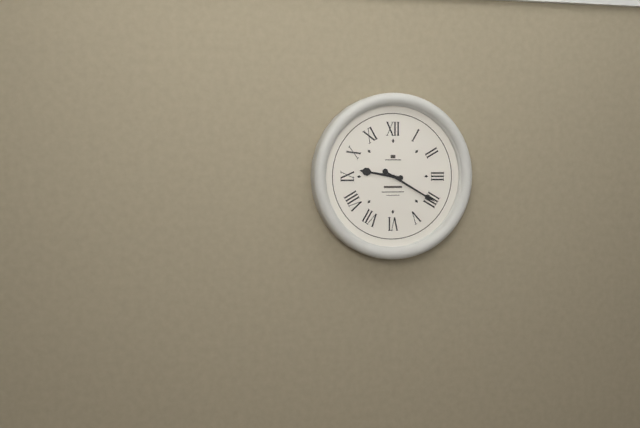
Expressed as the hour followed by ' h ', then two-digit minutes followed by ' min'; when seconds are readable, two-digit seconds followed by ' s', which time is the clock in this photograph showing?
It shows 9 h 20 min
